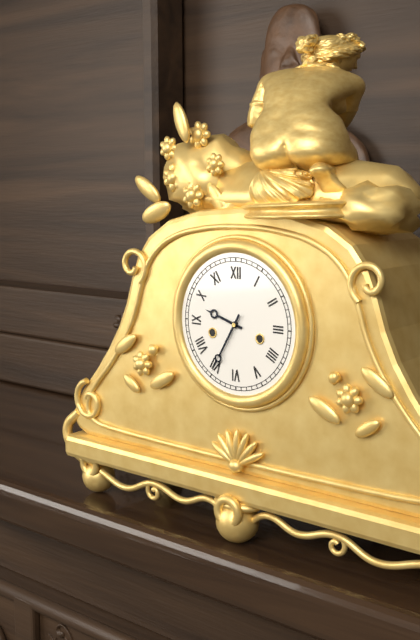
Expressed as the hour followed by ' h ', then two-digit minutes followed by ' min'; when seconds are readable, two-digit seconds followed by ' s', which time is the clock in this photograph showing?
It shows 9 h 35 min
